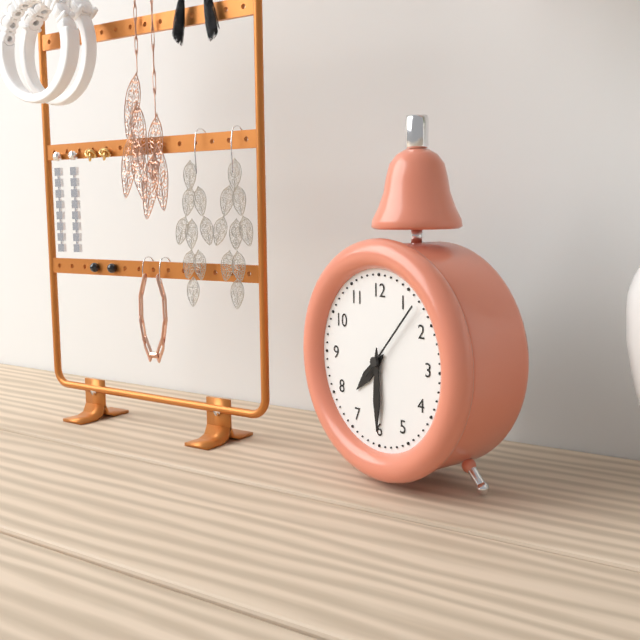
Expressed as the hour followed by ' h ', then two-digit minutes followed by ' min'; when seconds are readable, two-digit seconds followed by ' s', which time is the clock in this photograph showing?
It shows 7 h 30 min 07 s
